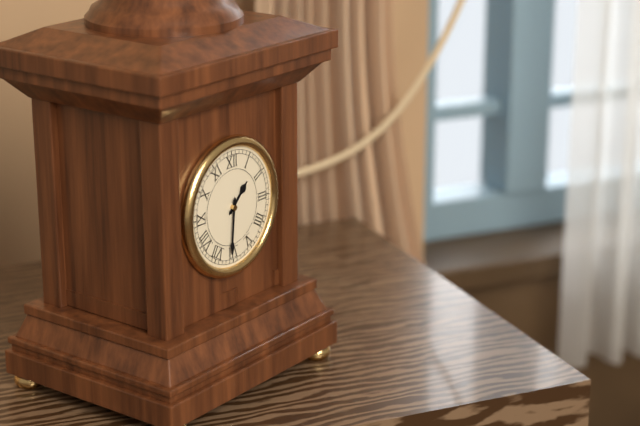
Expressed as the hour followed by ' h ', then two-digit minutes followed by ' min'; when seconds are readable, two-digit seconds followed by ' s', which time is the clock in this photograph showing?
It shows 1 h 31 min
